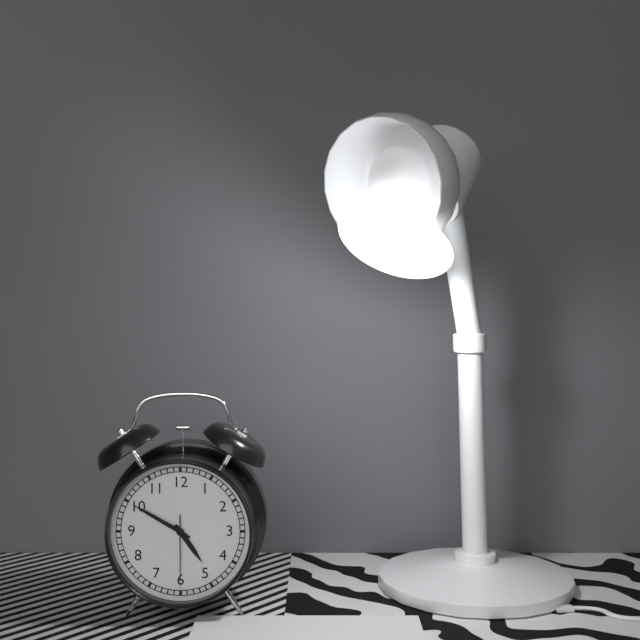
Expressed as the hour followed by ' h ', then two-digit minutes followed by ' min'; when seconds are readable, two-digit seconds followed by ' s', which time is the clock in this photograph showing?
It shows 4 h 50 min 30 s
